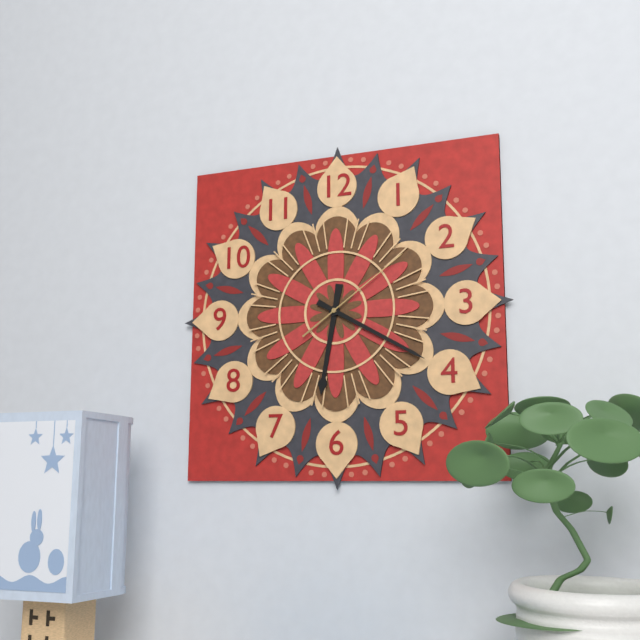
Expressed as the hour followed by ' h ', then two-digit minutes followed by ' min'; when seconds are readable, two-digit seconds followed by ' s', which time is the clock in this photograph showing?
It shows 6 h 20 min 09 s
